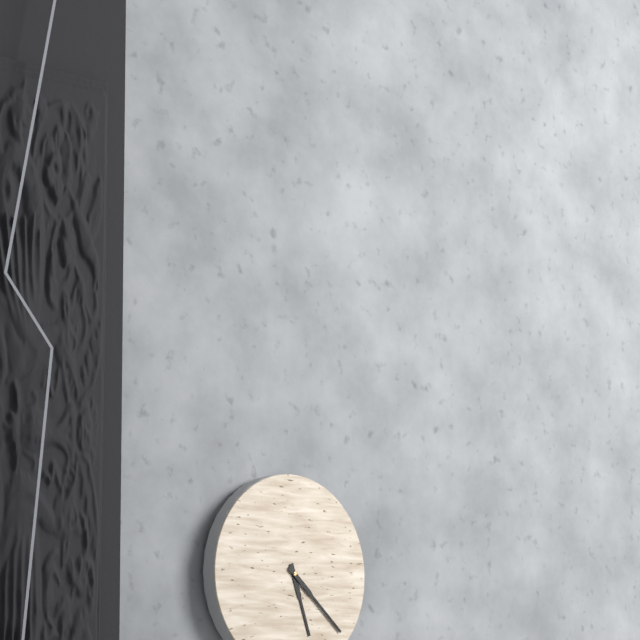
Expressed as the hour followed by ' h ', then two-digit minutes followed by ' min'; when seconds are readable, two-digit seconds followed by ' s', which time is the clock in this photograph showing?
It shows 5 h 22 min
